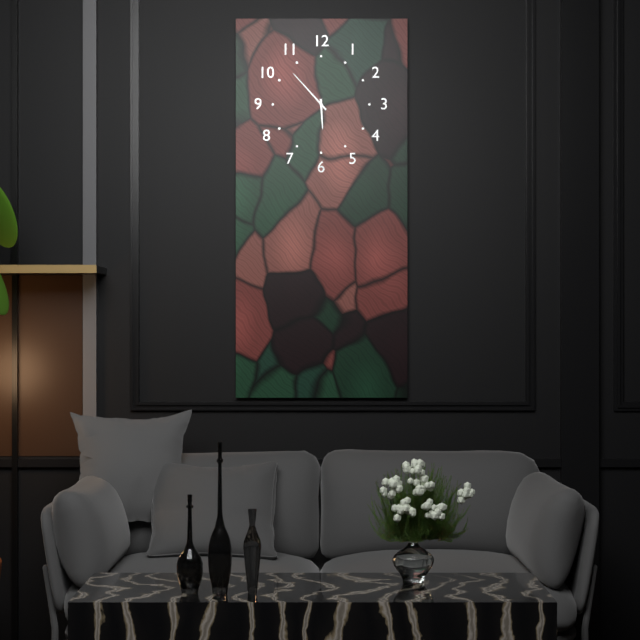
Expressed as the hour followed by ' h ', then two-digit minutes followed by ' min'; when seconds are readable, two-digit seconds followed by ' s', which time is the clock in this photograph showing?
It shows 5 h 53 min
